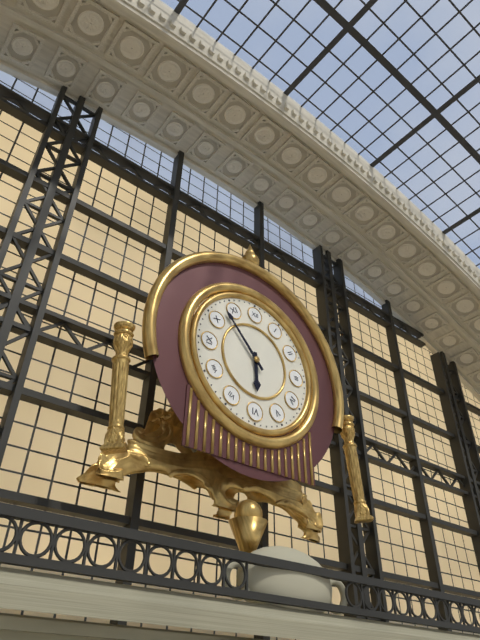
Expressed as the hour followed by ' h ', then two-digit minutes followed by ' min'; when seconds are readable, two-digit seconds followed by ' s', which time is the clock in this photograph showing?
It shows 5 h 53 min
